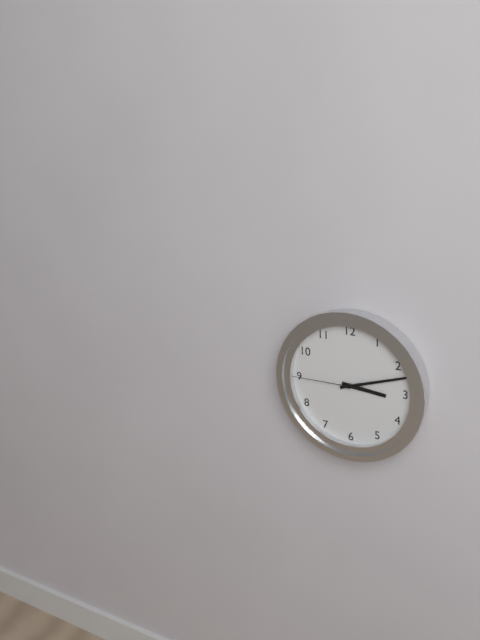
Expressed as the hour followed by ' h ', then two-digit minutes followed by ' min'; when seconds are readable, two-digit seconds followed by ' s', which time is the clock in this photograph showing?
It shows 3 h 12 min 45 s
